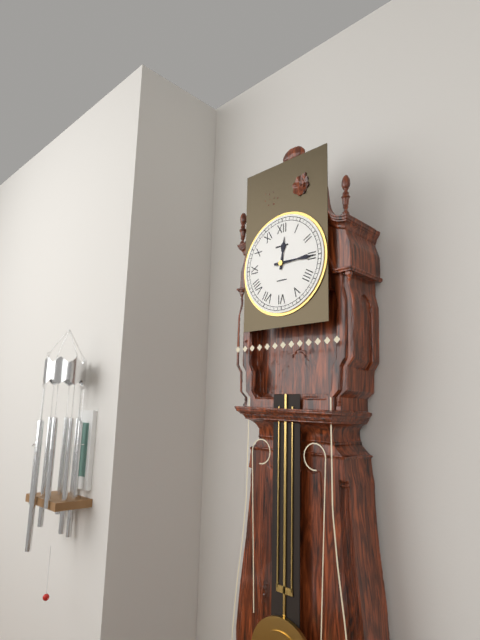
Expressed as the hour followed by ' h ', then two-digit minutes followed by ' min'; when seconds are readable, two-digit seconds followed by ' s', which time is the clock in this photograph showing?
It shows 12 h 15 min
